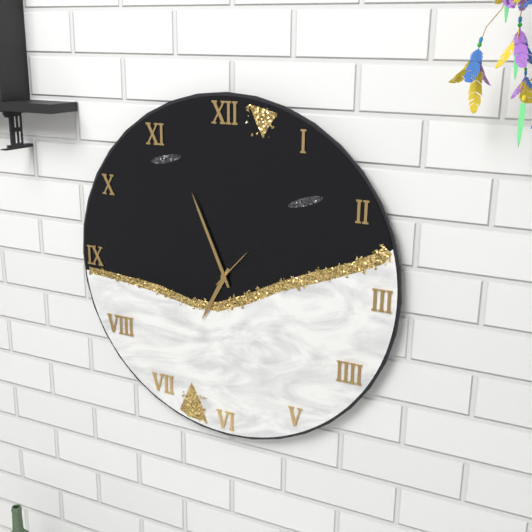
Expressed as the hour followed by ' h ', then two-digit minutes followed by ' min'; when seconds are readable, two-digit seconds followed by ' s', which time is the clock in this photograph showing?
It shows 6 h 56 min
